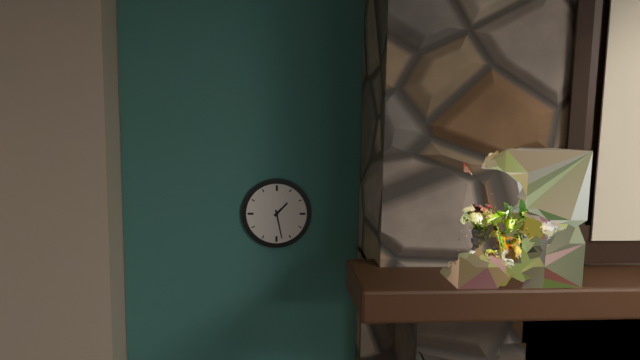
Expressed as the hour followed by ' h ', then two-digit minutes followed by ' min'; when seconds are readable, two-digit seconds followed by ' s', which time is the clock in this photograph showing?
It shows 1 h 28 min
